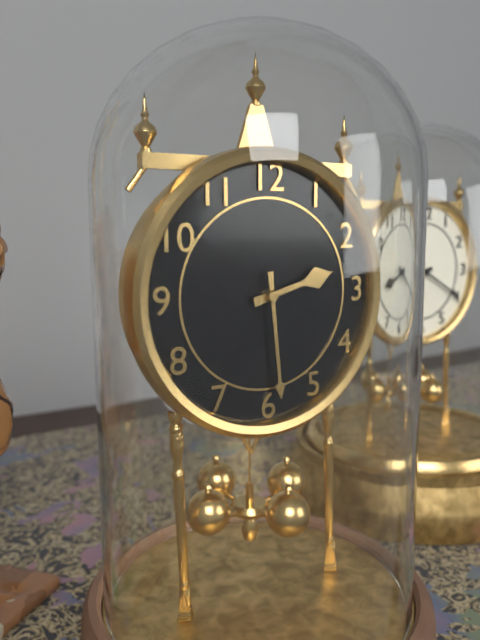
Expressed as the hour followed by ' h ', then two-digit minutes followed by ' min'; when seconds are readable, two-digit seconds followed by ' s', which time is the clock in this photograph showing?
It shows 2 h 29 min
